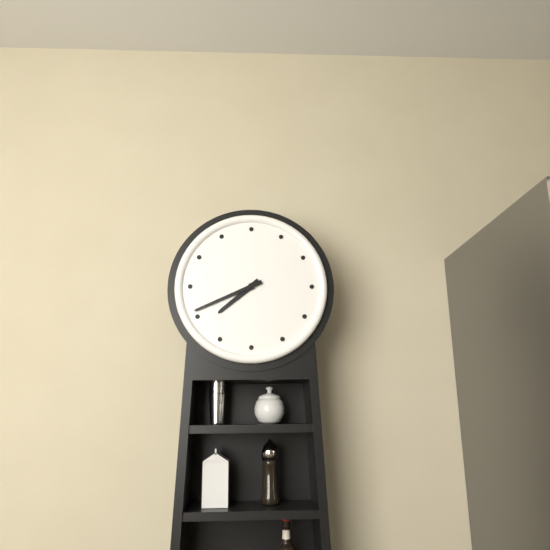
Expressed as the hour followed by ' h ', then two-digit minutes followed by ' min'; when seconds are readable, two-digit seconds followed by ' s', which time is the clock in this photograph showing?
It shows 7 h 41 min
